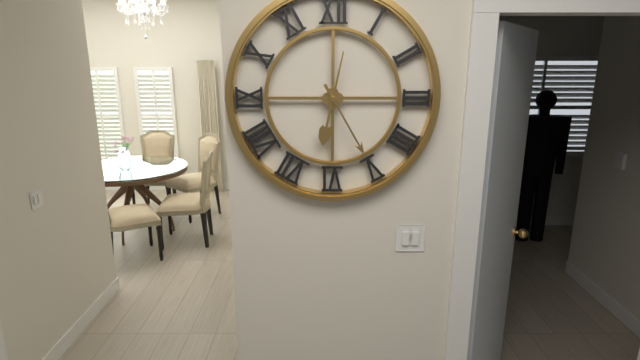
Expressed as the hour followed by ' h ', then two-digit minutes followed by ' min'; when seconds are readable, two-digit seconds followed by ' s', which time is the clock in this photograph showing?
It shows 6 h 25 min
